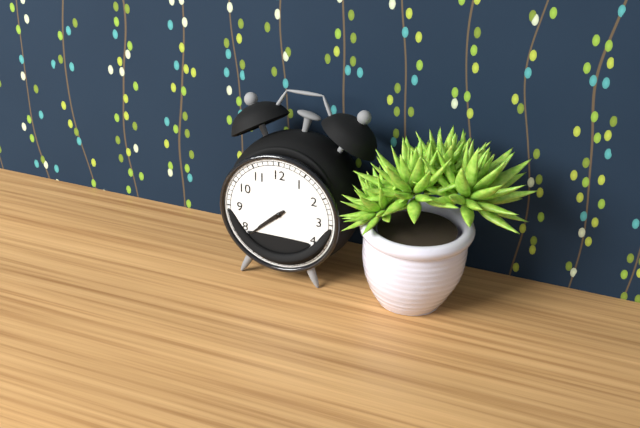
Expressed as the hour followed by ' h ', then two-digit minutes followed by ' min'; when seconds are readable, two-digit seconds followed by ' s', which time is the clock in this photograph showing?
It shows 7 h 38 min
